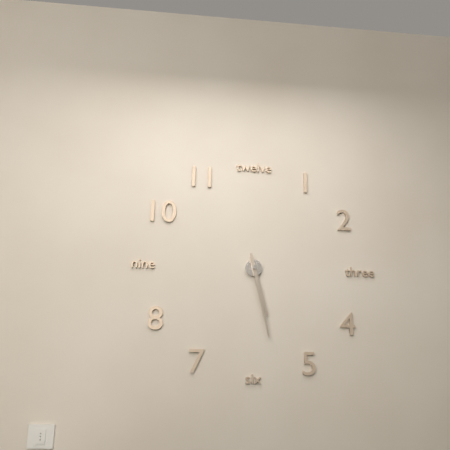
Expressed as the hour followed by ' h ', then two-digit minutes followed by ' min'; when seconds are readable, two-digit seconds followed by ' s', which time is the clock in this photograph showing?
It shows 5 h 28 min
